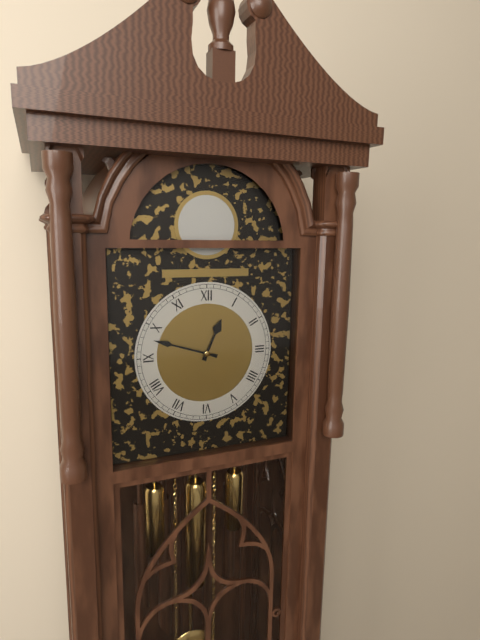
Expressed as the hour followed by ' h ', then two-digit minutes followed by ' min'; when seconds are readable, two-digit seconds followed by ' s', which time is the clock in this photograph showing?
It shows 12 h 48 min
